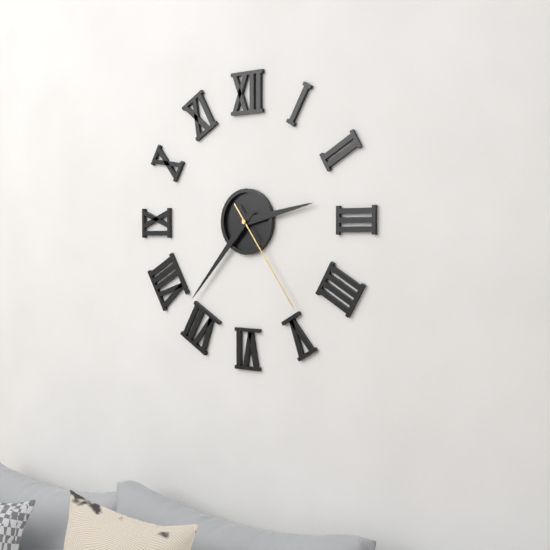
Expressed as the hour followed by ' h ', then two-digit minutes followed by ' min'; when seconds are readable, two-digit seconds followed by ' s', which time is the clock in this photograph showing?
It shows 2 h 37 min 24 s
